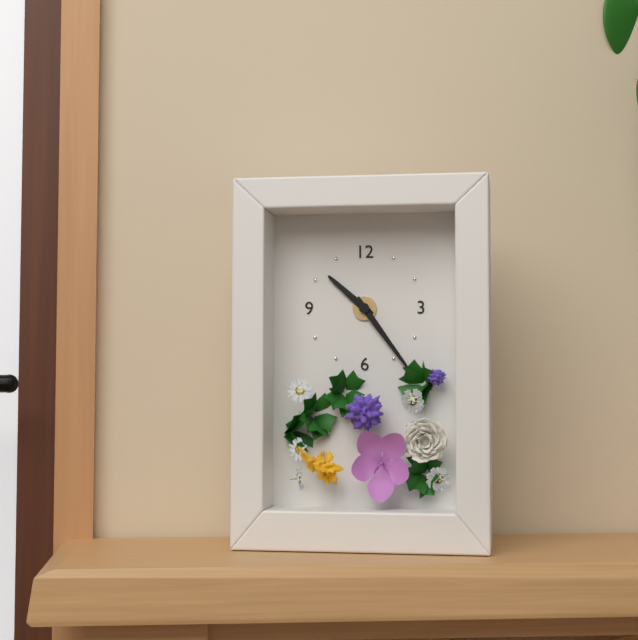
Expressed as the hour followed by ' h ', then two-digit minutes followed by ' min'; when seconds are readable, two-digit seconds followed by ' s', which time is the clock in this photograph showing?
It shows 10 h 24 min
